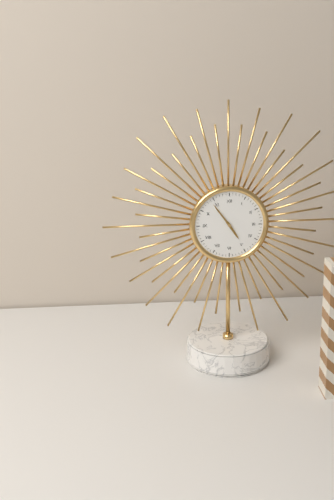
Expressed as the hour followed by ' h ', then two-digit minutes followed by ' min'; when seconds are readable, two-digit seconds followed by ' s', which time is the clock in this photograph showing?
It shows 4 h 54 min
